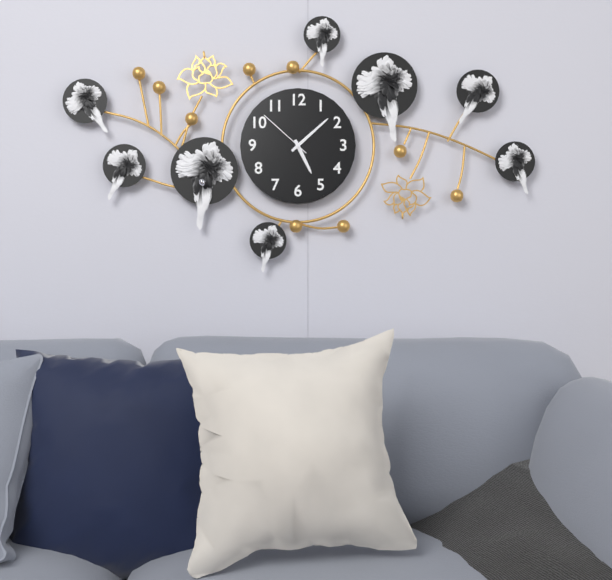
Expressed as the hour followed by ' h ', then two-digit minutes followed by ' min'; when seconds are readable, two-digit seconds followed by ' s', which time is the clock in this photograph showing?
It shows 5 h 08 min 52 s
